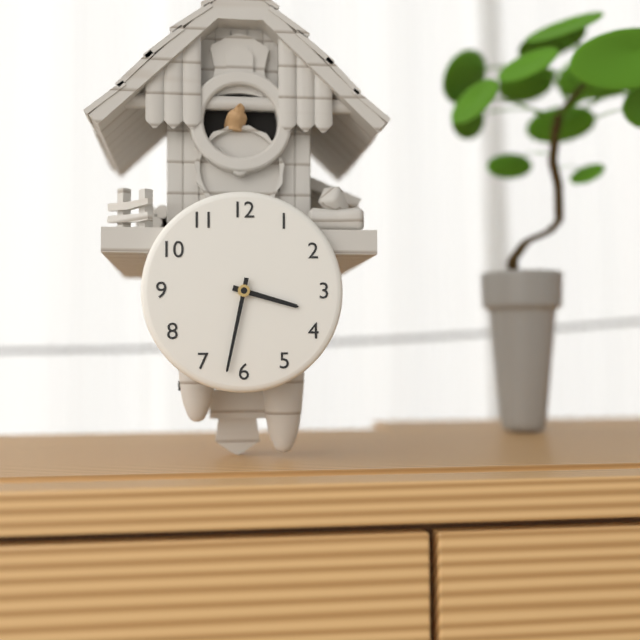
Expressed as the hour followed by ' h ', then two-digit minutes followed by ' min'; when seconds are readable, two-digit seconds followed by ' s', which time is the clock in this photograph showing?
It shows 3 h 32 min
